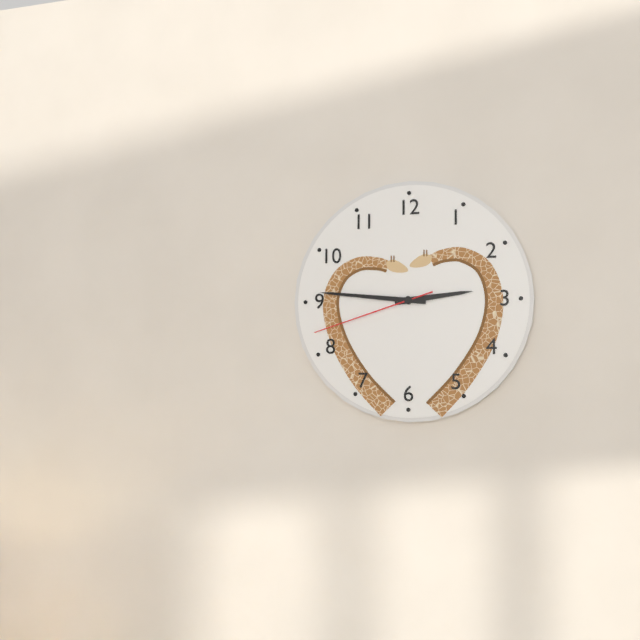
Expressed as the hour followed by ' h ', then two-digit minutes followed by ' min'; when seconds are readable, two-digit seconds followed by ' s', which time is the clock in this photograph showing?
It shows 2 h 46 min 42 s
